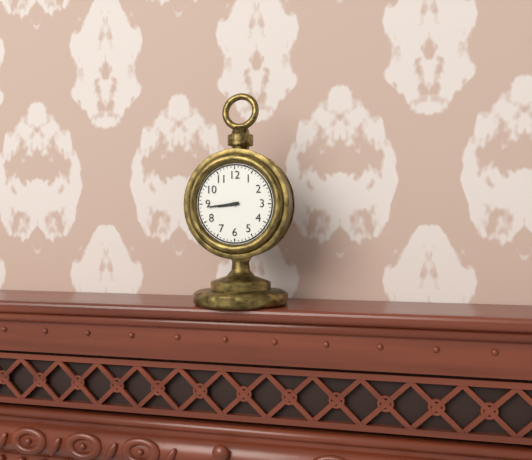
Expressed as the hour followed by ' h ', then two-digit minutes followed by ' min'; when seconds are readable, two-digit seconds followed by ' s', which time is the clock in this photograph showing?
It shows 8 h 44 min
